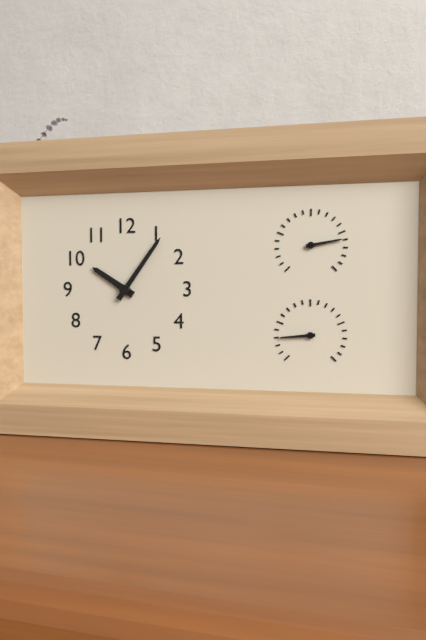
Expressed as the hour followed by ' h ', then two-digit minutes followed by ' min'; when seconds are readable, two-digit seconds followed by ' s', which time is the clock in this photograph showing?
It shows 10 h 06 min
